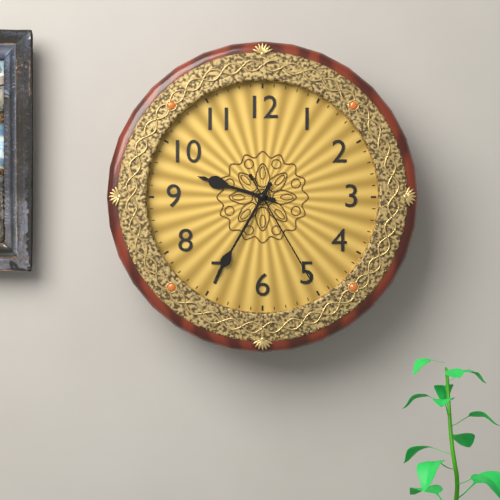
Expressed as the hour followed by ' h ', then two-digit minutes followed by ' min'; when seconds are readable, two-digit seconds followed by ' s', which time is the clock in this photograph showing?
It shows 9 h 35 min 25 s
